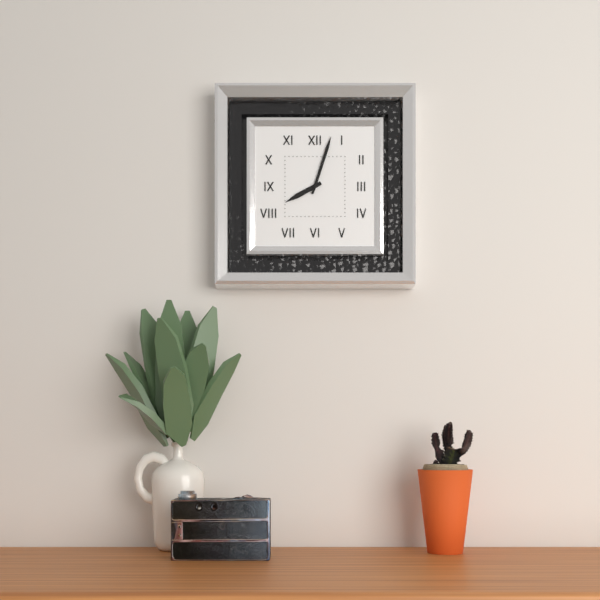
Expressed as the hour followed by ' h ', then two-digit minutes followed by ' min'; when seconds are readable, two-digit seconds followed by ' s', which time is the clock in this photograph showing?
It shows 8 h 03 min
